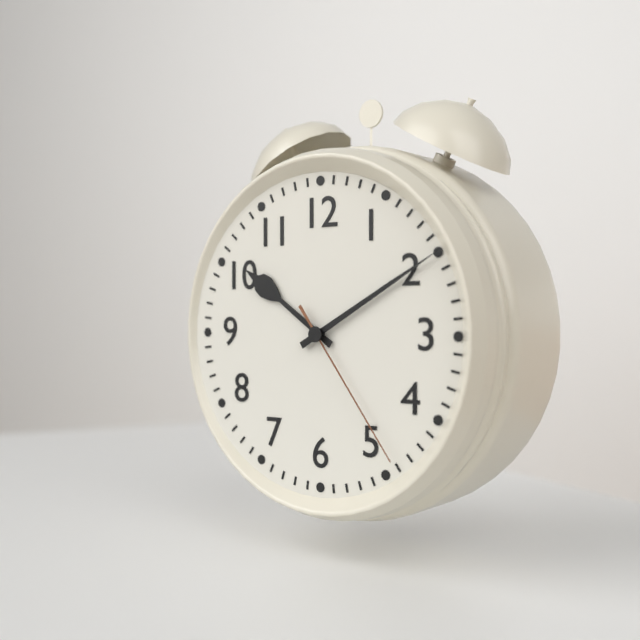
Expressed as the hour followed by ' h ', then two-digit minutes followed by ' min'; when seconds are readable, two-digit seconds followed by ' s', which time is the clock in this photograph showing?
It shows 10 h 10 min 24 s
